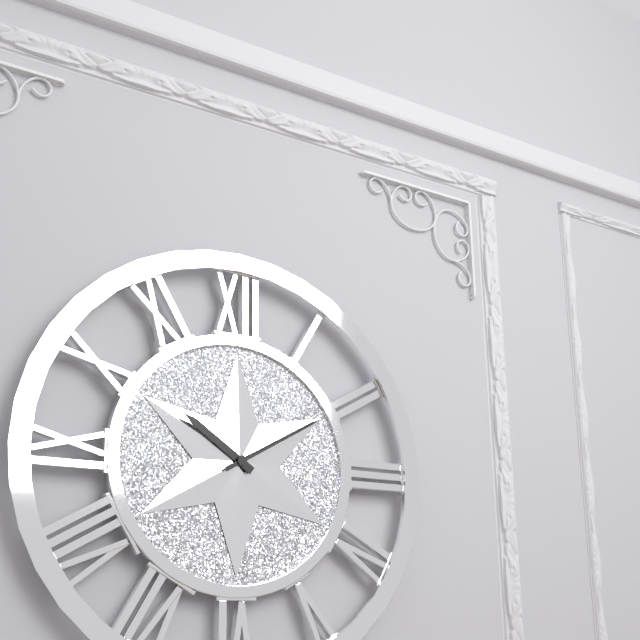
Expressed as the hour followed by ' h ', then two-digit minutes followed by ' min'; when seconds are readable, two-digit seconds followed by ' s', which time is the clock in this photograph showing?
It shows 10 h 10 min
